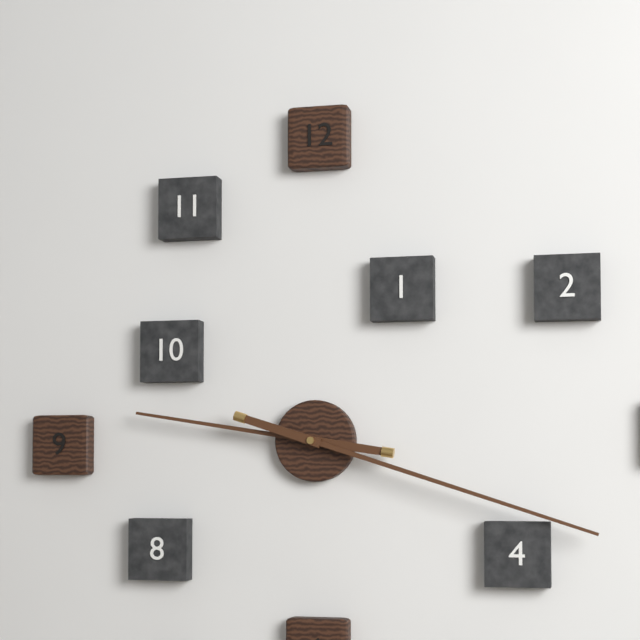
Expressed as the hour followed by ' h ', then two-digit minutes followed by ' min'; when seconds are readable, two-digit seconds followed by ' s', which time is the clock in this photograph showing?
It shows 9 h 18 min
